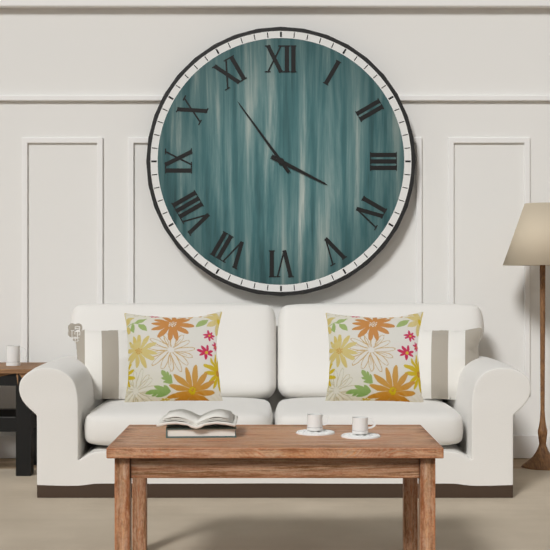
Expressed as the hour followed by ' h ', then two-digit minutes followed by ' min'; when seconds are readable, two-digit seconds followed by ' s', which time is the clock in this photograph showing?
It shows 3 h 54 min
